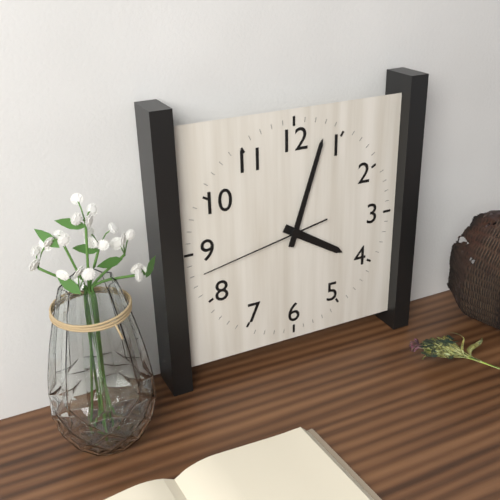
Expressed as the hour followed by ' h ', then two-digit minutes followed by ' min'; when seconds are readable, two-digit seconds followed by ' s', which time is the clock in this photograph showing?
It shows 4 h 03 min 43 s
